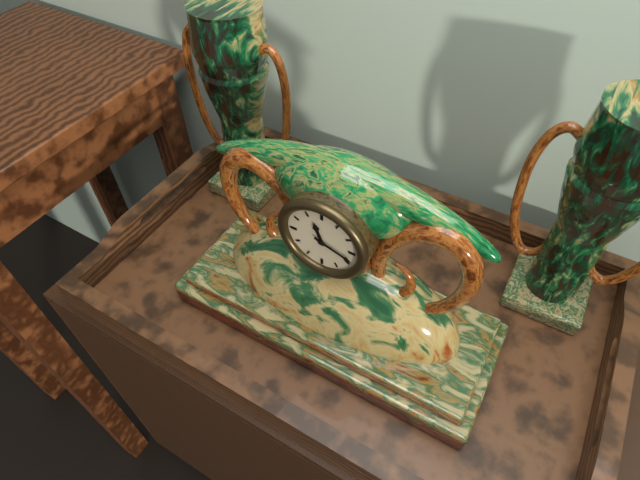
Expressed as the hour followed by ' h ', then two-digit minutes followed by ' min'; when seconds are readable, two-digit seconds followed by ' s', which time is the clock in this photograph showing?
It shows 11 h 18 min
